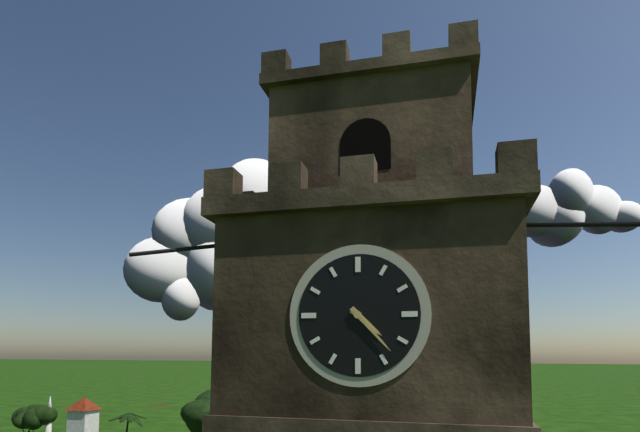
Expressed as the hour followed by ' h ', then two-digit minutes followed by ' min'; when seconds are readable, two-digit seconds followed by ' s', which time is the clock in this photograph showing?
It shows 4 h 23 min
